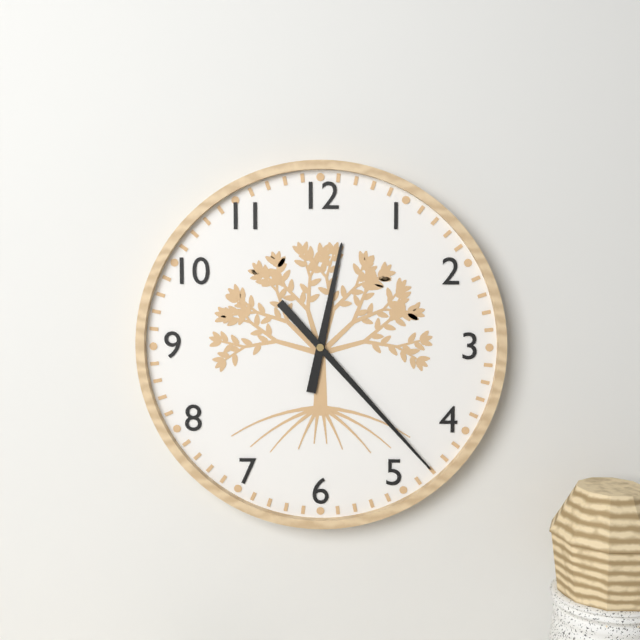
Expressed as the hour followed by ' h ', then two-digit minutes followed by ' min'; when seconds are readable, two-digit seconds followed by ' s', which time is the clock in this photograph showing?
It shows 12 h 23 min
